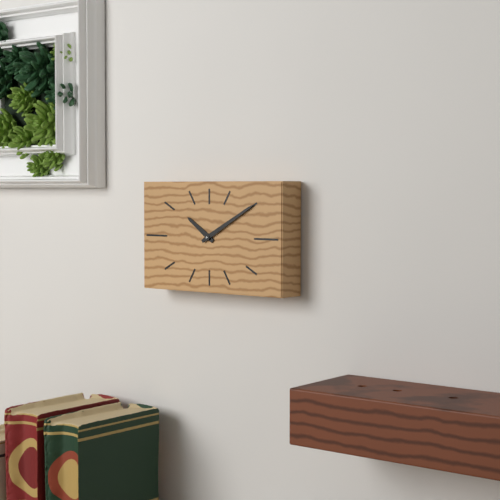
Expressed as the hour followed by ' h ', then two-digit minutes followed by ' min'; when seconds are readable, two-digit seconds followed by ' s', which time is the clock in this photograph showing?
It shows 10 h 10 min
